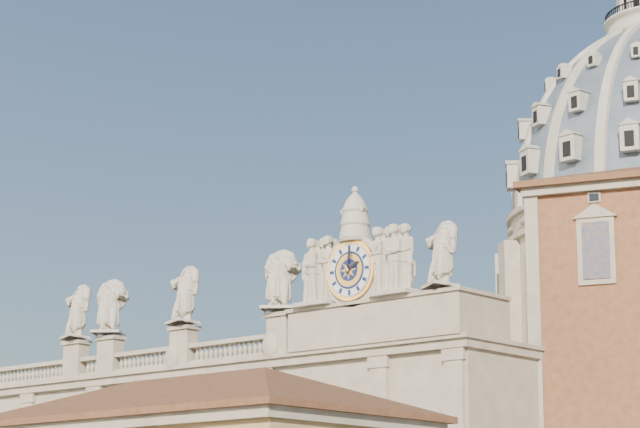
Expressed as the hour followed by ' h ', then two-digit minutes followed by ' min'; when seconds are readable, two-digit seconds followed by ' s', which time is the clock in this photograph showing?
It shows 2 h 01 min
